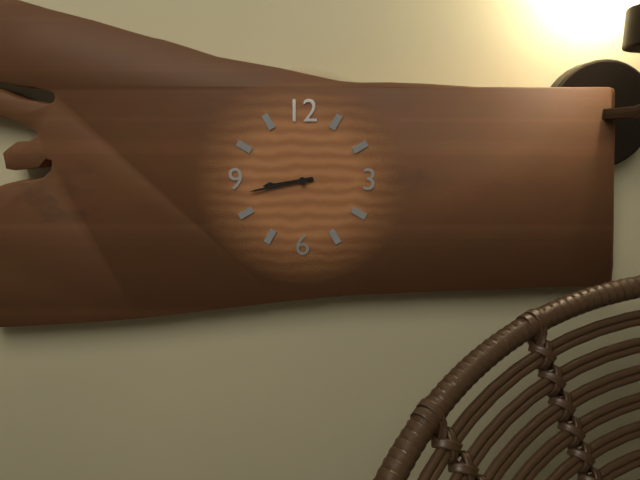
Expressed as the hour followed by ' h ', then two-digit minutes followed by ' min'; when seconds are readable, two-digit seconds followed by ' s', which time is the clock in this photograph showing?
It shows 8 h 43 min
